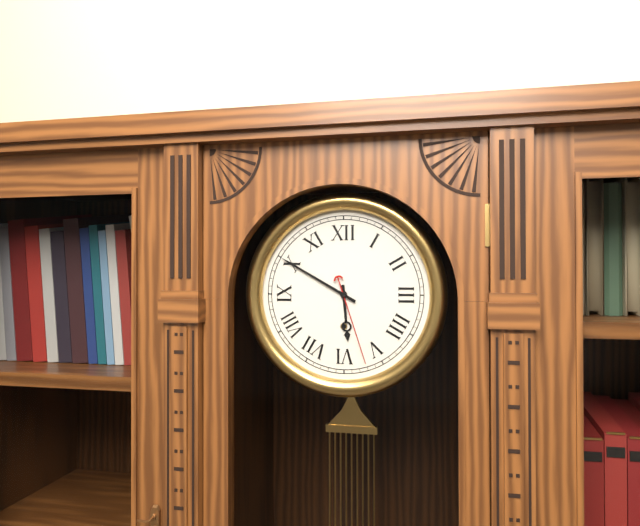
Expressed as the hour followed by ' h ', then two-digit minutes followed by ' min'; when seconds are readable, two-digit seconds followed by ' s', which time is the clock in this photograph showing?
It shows 5 h 50 min 27 s
